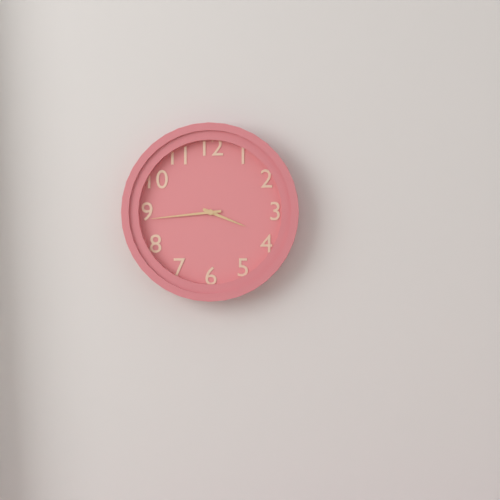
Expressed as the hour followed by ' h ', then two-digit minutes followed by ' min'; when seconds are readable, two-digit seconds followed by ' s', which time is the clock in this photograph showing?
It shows 3 h 44 min
